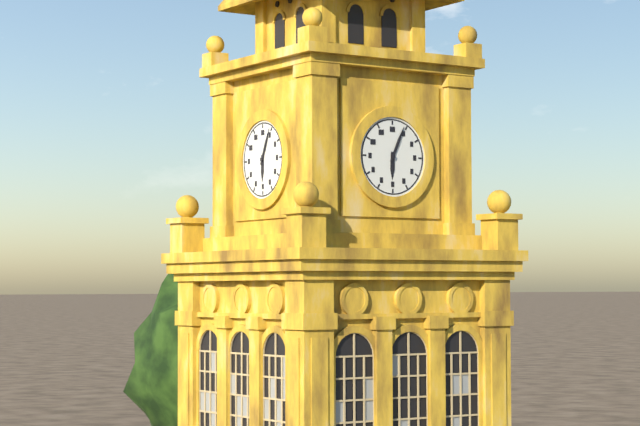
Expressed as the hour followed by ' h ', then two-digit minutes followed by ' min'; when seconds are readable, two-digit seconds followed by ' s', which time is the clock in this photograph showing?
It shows 6 h 04 min
